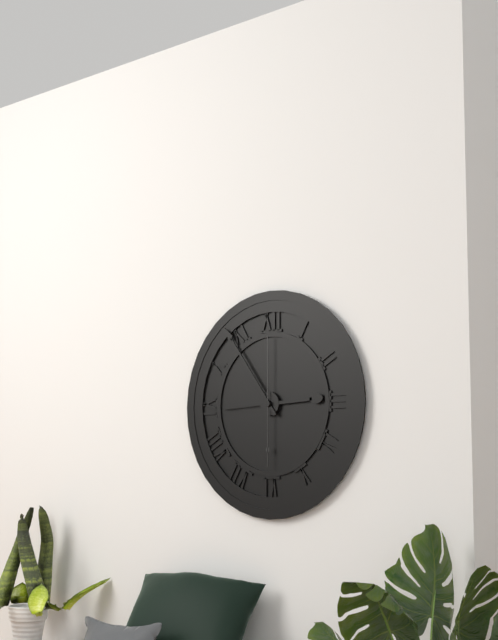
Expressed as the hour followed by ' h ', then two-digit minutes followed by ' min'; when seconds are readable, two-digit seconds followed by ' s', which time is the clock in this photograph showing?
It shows 2 h 54 min 00 s
